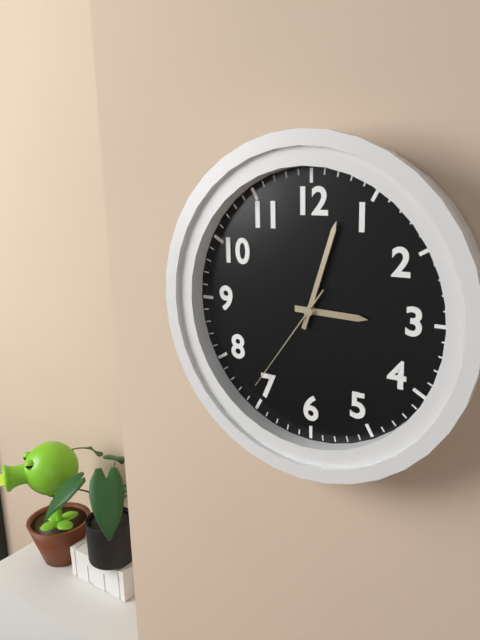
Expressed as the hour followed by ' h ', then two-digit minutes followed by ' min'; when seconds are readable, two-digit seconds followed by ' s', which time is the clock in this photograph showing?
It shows 3 h 03 min 36 s
